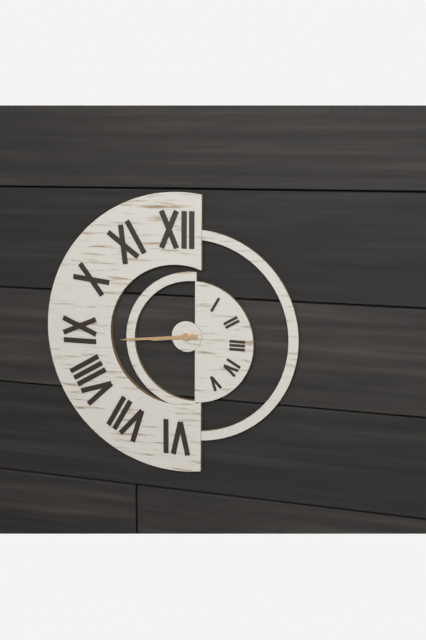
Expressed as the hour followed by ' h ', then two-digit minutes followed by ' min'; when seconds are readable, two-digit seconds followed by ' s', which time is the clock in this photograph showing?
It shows 8 h 44 min
